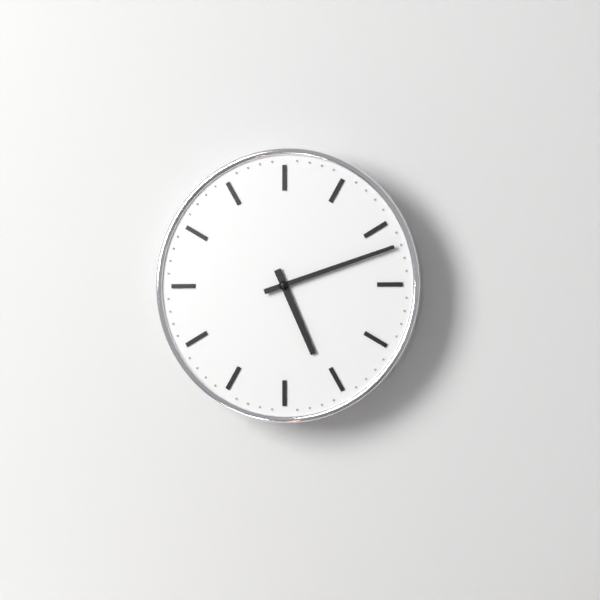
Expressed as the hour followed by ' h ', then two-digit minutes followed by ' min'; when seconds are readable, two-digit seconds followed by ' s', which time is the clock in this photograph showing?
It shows 5 h 12 min
